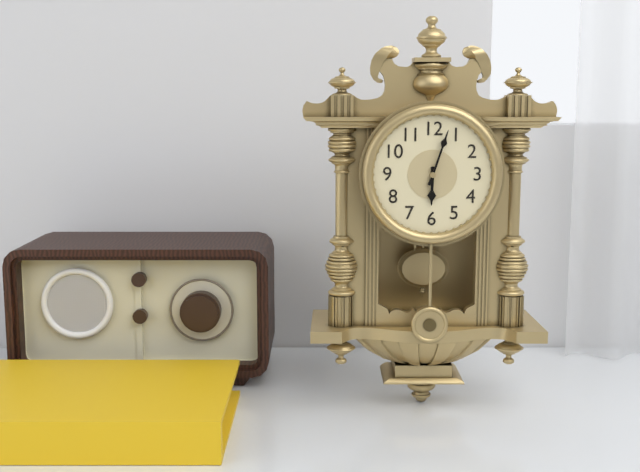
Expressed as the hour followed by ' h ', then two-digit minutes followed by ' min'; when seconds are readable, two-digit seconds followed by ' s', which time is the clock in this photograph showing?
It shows 6 h 03 min
